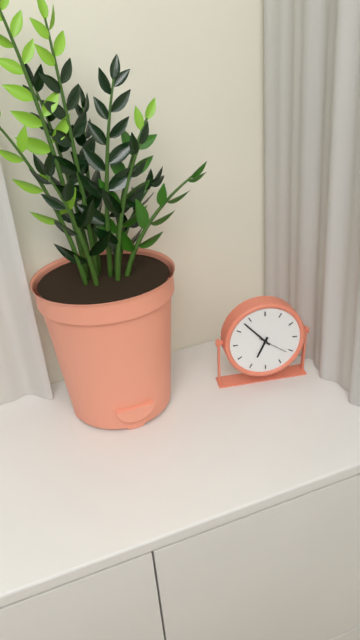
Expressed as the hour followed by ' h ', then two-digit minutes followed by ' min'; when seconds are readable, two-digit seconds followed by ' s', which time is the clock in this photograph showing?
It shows 6 h 53 min
